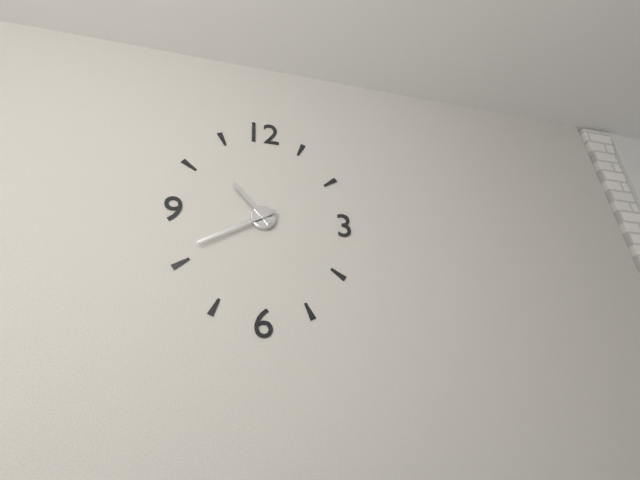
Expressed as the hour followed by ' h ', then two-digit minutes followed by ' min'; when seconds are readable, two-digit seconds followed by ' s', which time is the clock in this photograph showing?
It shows 10 h 40 min
